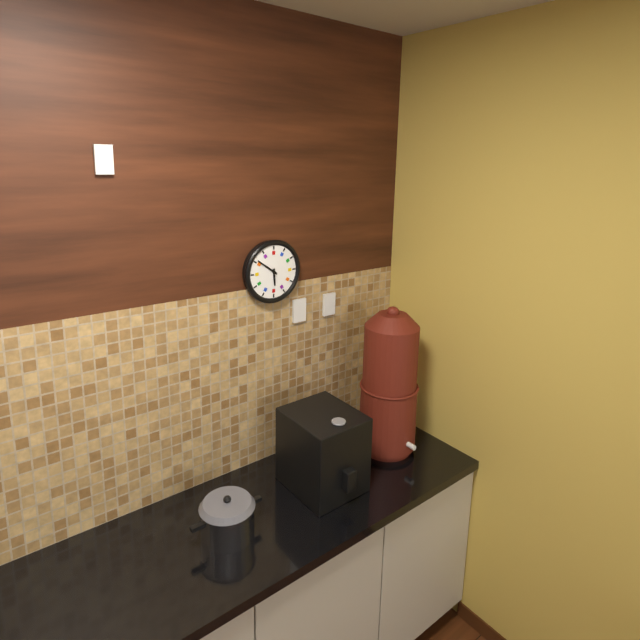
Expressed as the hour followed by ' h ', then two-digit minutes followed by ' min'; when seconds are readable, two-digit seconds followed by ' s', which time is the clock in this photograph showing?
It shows 5 h 51 min
